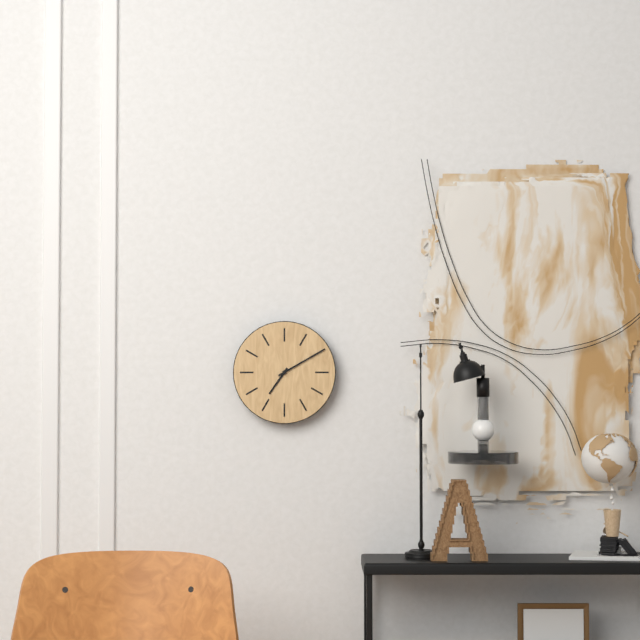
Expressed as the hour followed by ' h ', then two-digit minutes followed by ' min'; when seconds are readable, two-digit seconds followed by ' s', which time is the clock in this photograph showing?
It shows 7 h 10 min
